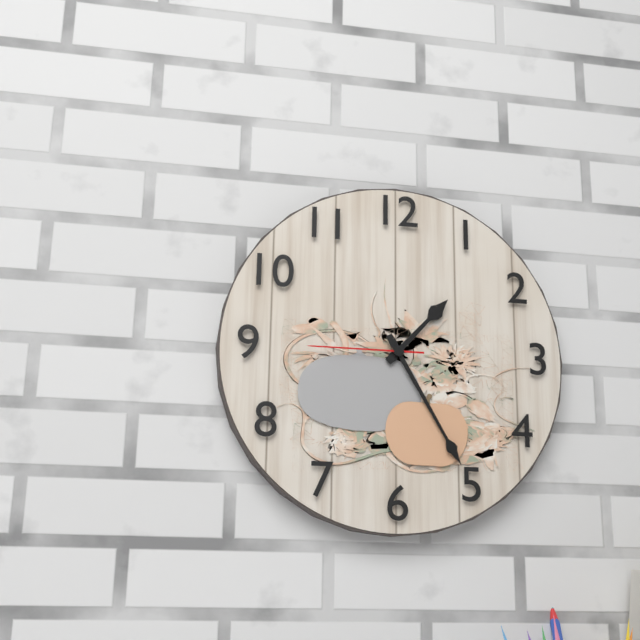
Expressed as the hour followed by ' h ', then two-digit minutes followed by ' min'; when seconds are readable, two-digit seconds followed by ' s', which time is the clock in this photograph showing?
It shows 1 h 25 min 45 s
